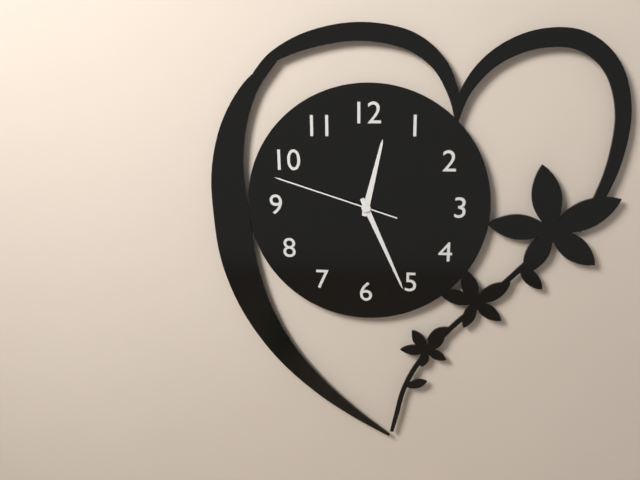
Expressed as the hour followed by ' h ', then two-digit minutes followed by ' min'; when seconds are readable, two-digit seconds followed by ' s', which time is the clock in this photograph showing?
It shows 12 h 26 min 48 s
